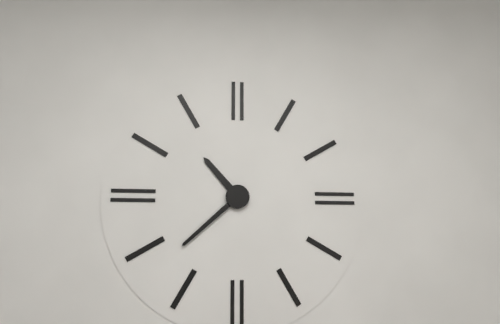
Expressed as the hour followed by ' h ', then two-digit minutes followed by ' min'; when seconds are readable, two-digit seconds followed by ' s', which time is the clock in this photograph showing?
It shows 10 h 38 min
